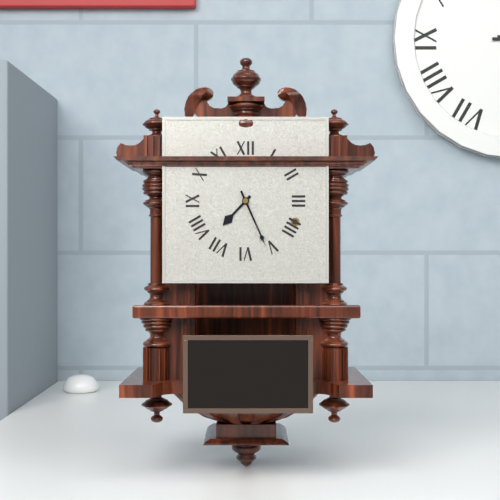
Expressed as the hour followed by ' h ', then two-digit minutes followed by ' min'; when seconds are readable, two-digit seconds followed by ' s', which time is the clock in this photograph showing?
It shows 7 h 26 min
